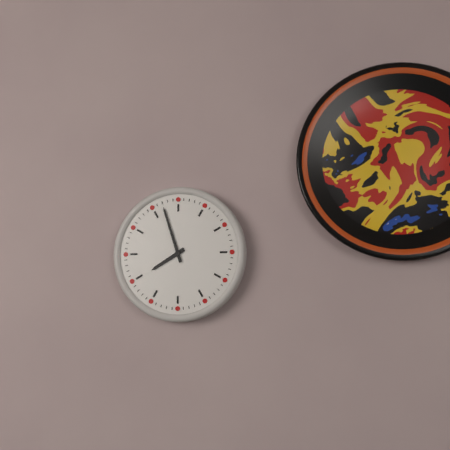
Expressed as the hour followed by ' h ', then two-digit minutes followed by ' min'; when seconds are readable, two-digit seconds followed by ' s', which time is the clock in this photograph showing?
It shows 7 h 57 min
